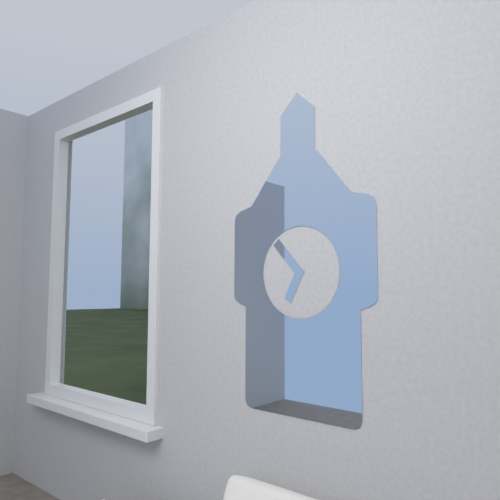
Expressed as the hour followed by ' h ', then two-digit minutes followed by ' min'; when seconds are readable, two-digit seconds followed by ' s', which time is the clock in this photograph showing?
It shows 6 h 53 min
